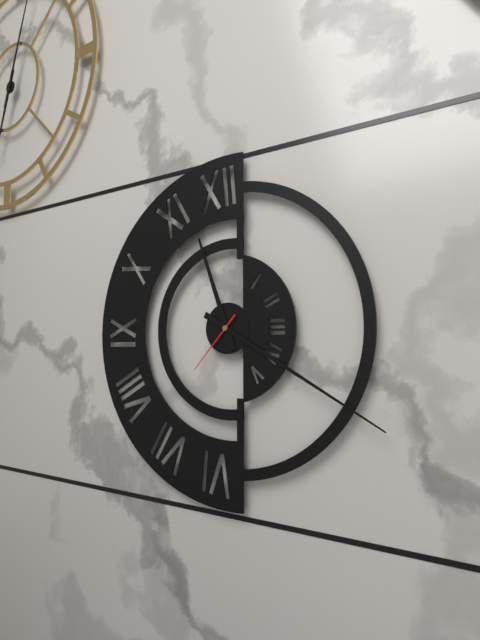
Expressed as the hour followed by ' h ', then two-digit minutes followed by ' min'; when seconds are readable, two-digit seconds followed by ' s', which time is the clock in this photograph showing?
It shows 11 h 20 min 37 s
